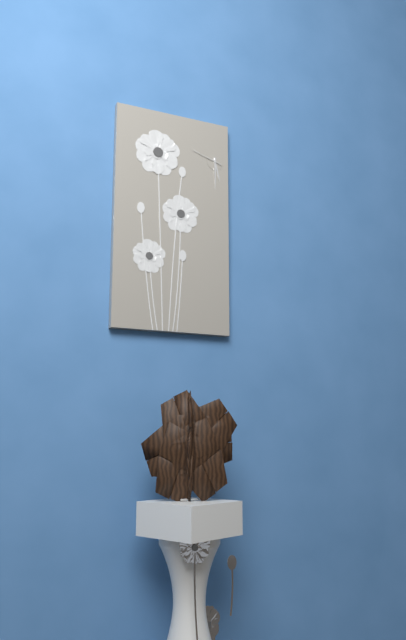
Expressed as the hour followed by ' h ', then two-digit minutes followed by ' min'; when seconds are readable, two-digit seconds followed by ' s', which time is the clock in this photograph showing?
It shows 5 h 30 min
